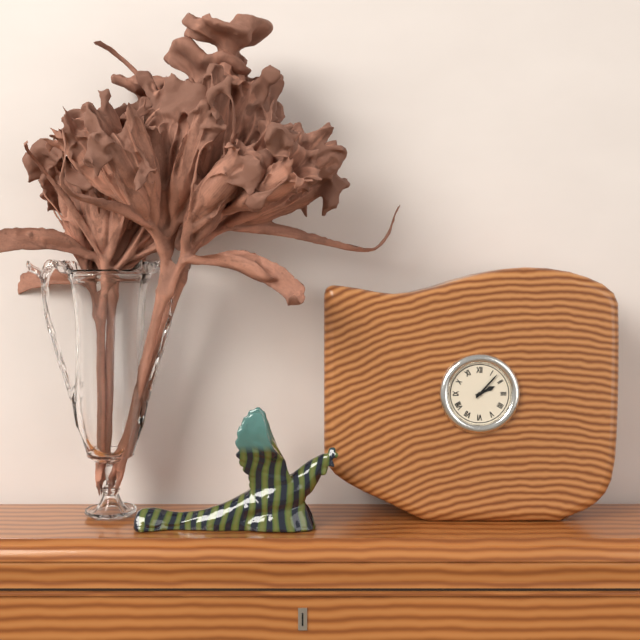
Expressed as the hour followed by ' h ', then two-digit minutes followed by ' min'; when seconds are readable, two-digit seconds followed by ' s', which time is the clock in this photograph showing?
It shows 2 h 07 min
